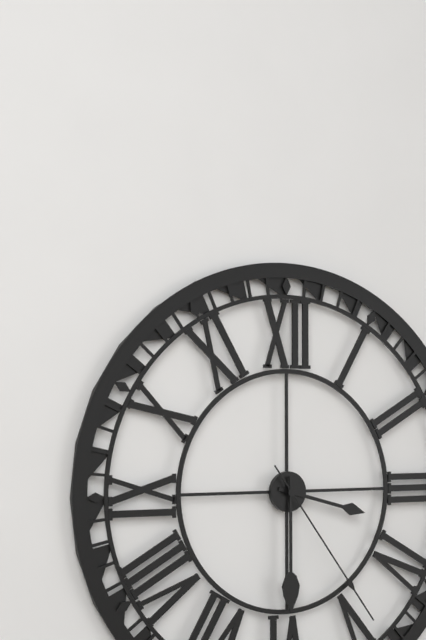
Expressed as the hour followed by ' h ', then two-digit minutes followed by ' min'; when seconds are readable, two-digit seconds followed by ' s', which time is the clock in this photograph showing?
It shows 3 h 30 min 24 s
